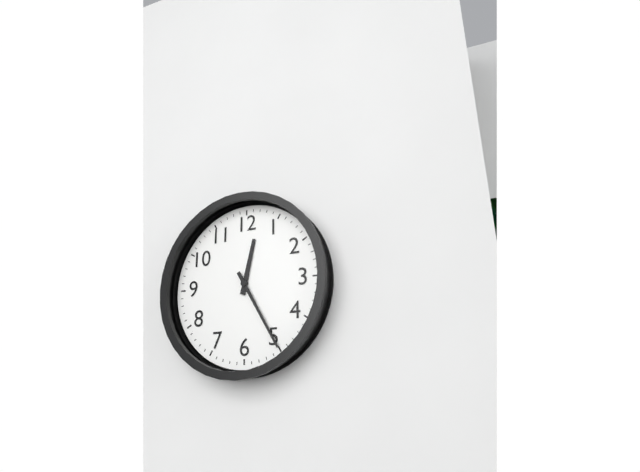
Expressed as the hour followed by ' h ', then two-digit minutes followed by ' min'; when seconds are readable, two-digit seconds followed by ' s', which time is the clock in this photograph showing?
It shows 12 h 25 min
